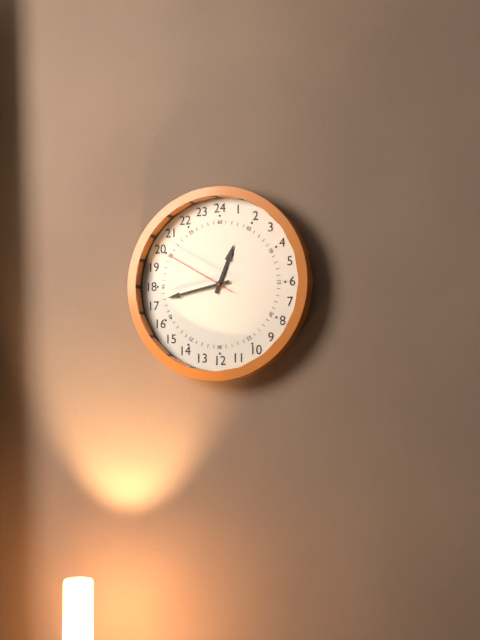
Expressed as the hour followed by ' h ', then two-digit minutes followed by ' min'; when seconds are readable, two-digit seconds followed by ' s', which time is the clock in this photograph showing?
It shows 12 h 43 min 50 s
